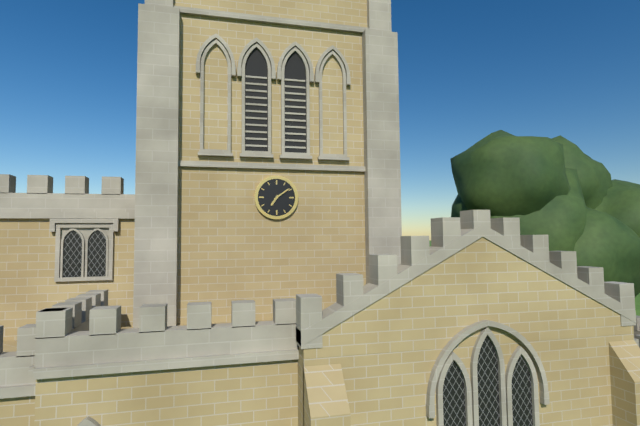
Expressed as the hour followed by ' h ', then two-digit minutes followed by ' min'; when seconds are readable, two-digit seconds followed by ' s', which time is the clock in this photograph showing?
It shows 7 h 09 min
